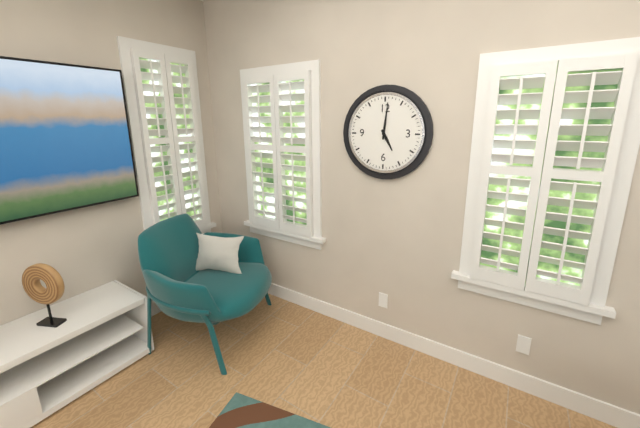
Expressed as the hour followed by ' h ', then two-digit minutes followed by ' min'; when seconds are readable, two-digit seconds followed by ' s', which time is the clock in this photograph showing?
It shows 5 h 01 min
